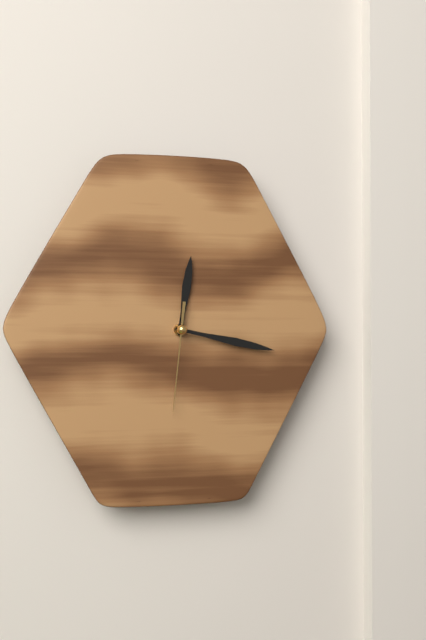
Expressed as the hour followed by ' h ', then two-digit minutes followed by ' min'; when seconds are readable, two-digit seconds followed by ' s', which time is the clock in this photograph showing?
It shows 12 h 17 min 31 s
